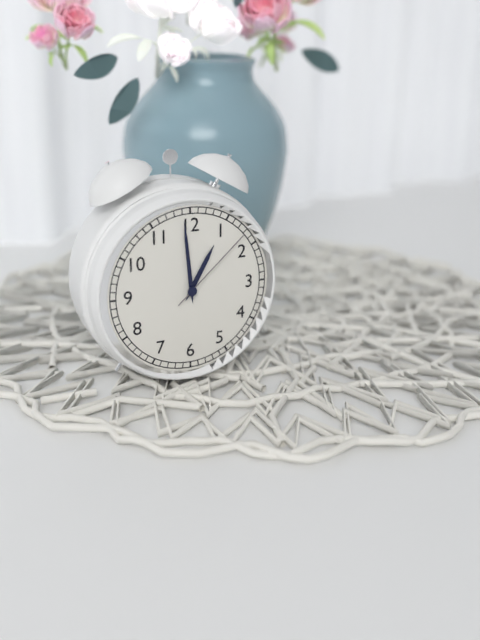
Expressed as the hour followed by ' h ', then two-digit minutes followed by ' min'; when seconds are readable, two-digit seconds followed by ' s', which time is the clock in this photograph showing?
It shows 12 h 59 min 08 s
